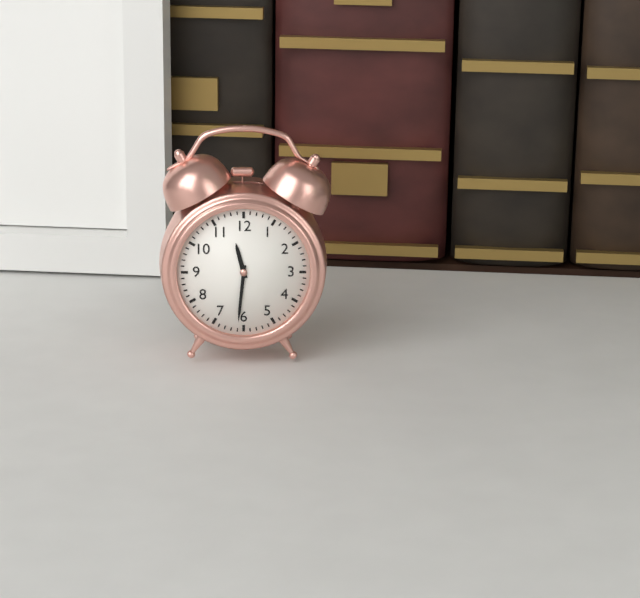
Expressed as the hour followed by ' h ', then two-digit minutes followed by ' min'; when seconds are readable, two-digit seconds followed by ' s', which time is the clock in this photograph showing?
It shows 11 h 31 min
